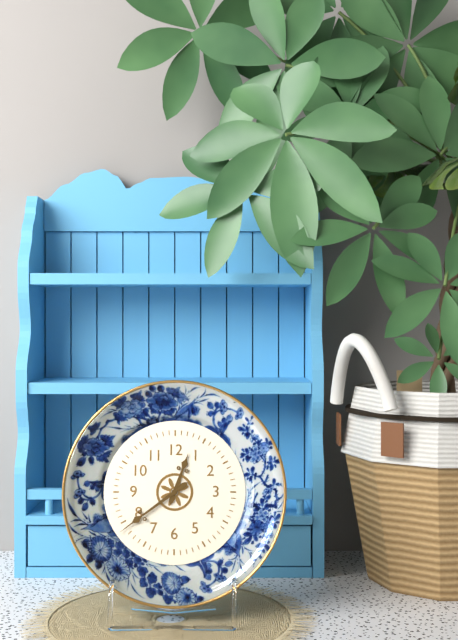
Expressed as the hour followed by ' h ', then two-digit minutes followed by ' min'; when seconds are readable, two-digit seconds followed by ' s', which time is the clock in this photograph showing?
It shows 12 h 39 min
